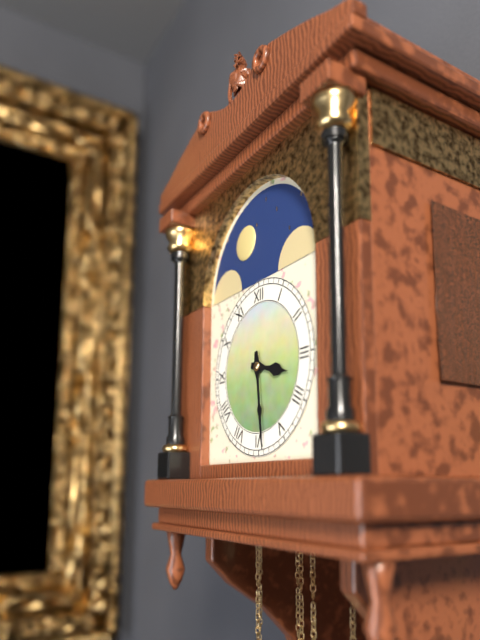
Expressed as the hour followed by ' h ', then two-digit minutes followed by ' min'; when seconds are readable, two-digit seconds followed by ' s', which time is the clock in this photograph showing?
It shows 3 h 29 min
